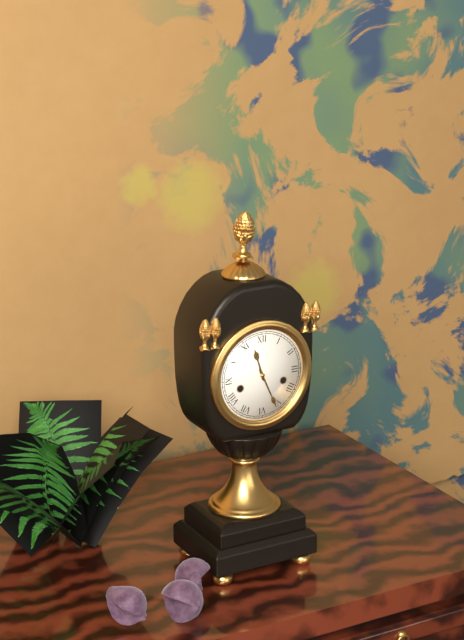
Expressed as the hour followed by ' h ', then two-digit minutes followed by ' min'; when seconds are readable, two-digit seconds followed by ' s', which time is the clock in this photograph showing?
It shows 11 h 26 min
